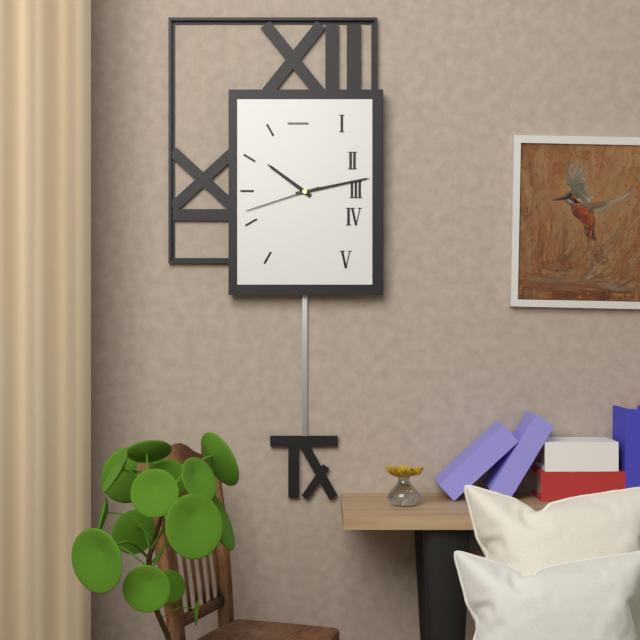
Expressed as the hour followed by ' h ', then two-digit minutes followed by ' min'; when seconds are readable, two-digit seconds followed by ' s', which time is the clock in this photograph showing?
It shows 10 h 13 min 42 s
